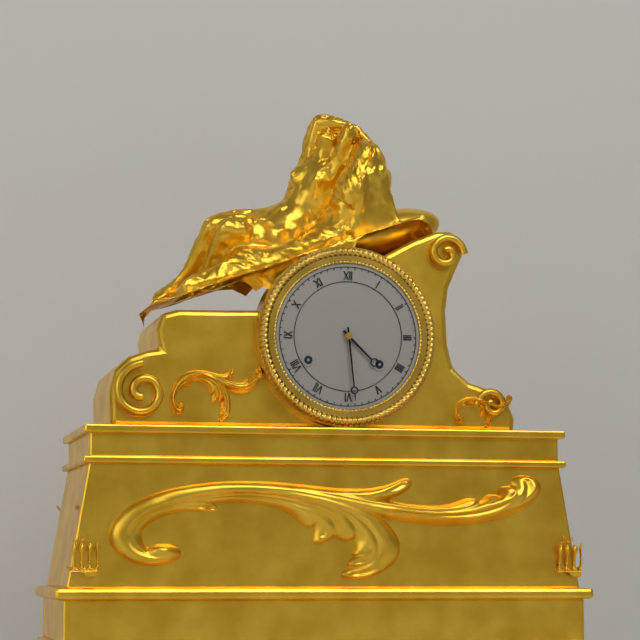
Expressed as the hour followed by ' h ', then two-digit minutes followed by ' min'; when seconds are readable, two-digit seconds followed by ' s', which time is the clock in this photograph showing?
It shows 4 h 29 min
